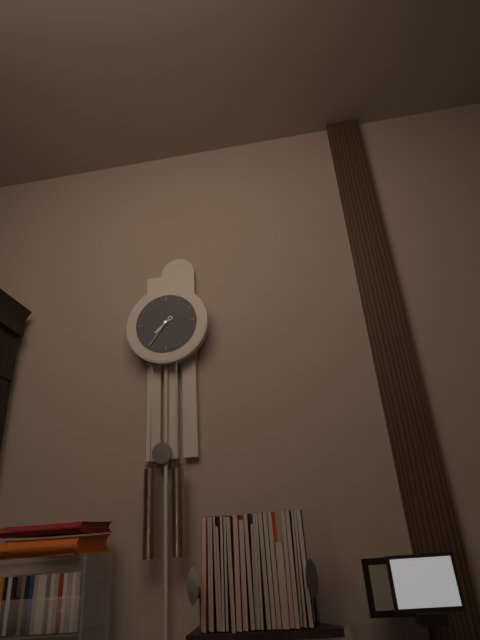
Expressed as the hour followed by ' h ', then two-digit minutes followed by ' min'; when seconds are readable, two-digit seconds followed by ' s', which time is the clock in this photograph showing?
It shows 7 h 36 min
